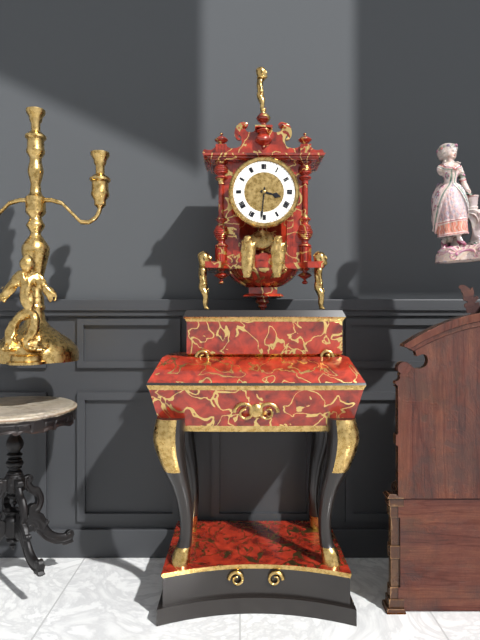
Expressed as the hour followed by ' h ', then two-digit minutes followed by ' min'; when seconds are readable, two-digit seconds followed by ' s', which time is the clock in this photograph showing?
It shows 3 h 31 min
